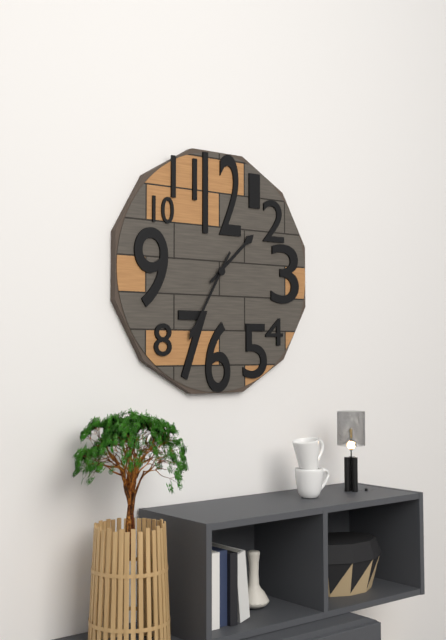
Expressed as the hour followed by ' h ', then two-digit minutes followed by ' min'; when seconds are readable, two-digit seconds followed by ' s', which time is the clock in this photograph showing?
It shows 1 h 35 min
